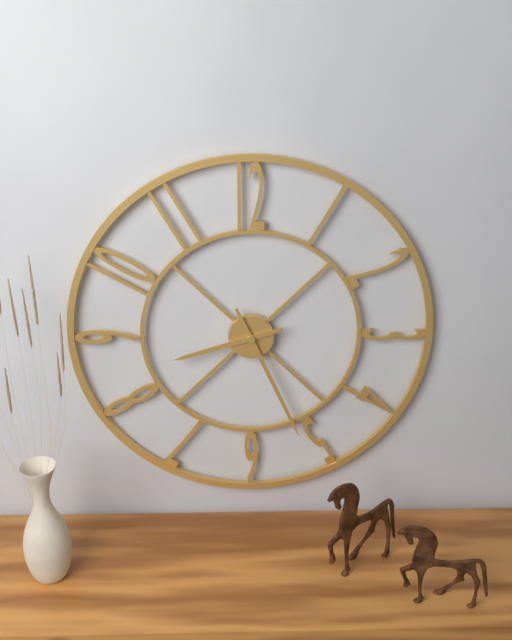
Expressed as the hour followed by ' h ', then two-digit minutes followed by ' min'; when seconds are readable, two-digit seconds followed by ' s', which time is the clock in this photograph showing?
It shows 8 h 26 min
